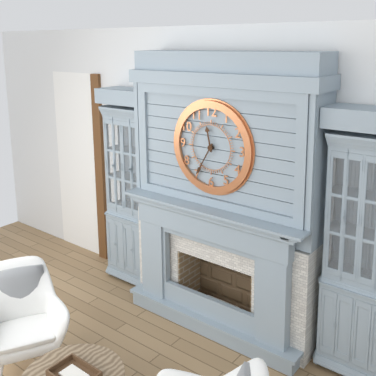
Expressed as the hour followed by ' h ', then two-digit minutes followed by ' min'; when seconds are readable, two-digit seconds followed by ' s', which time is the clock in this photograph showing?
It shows 11 h 35 min
